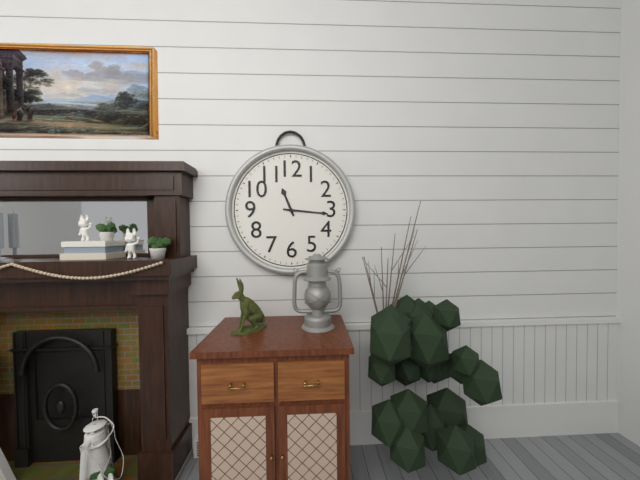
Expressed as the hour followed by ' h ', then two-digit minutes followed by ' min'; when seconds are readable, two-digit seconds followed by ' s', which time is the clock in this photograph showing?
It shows 11 h 16 min
